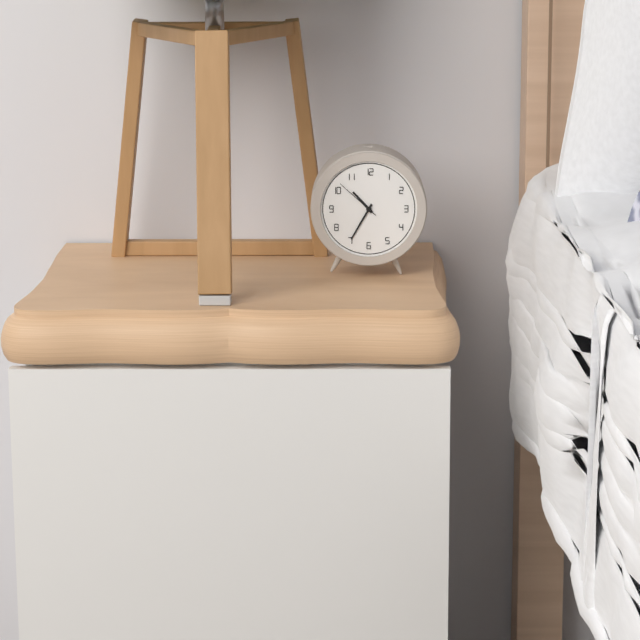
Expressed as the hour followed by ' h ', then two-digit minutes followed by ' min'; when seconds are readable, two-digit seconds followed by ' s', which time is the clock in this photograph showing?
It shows 10 h 35 min
